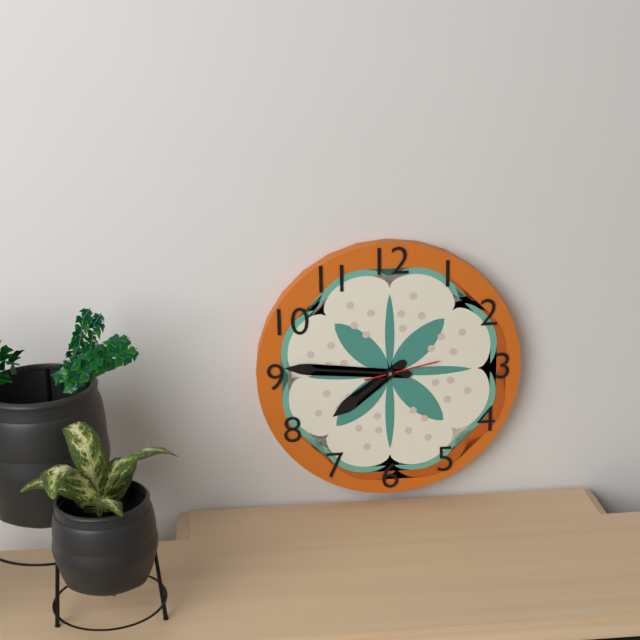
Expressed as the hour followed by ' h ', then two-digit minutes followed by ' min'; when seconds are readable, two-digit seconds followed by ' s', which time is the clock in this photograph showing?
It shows 7 h 46 min 13 s
